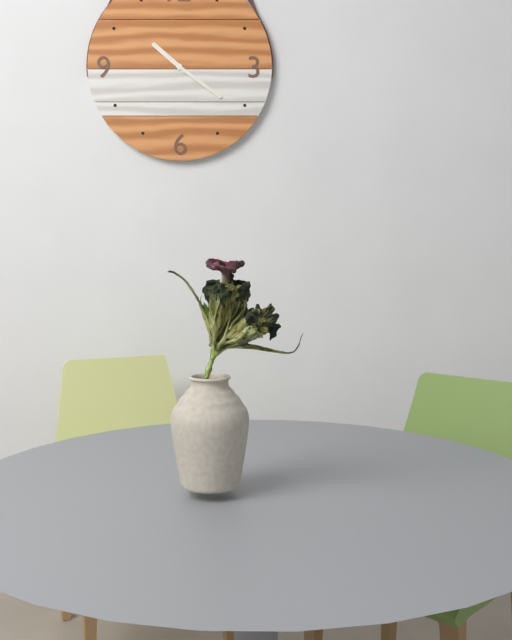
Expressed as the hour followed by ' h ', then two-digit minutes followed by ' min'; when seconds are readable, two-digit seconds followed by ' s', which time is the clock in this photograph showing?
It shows 10 h 21 min
